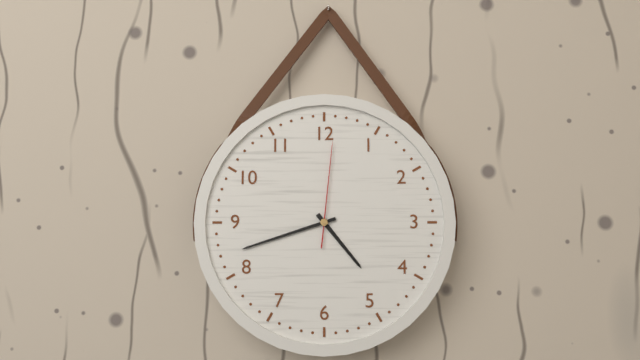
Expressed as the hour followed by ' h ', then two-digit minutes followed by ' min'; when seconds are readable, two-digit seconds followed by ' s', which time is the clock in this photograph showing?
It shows 4 h 42 min 01 s
